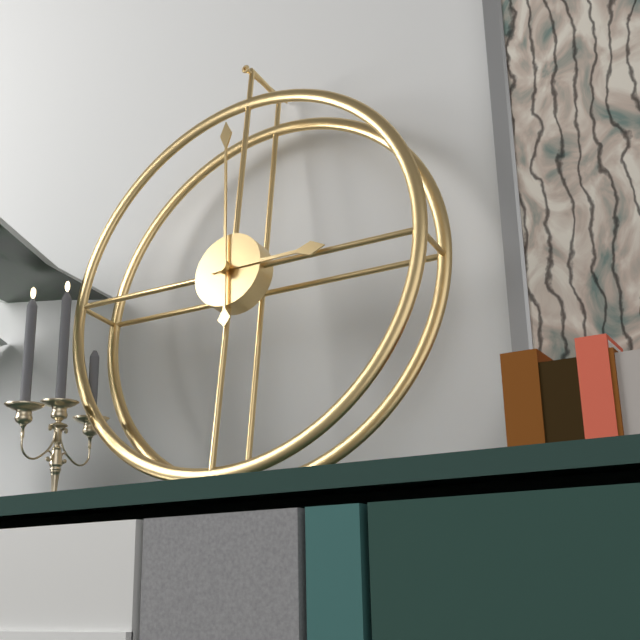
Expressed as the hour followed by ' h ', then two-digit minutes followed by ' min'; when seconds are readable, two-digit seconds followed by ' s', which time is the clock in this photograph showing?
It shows 2 h 59 min
